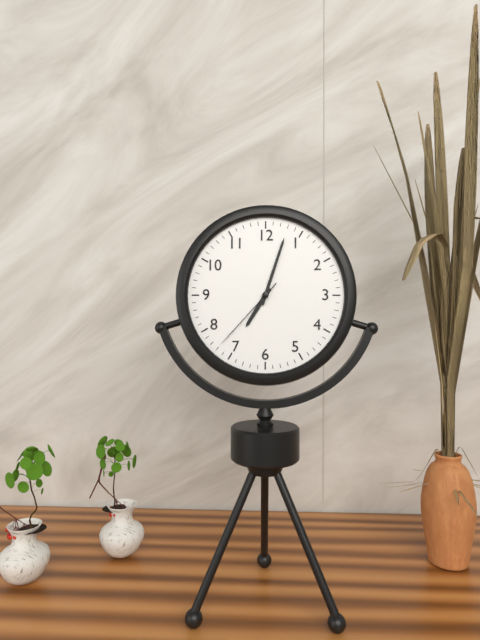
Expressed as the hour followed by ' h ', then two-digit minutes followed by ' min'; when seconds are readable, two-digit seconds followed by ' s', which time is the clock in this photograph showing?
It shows 7 h 03 min 37 s
